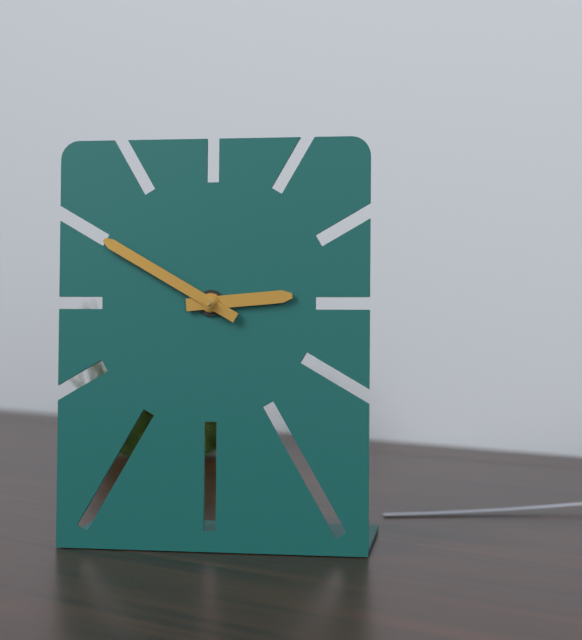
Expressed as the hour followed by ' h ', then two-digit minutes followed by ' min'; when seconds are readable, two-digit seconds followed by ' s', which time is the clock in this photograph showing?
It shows 2 h 50 min
